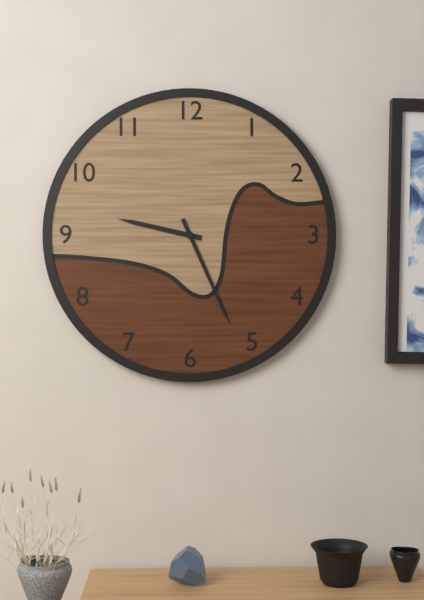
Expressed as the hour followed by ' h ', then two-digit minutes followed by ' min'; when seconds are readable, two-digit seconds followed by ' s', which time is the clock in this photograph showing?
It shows 9 h 26 min
